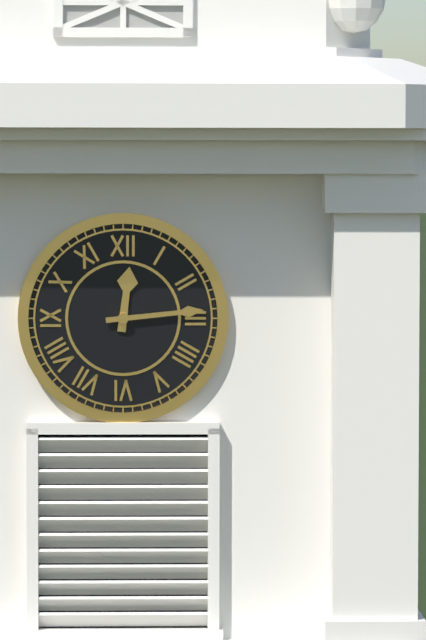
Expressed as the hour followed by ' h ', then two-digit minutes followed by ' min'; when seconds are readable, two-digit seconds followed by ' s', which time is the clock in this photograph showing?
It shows 12 h 14 min
